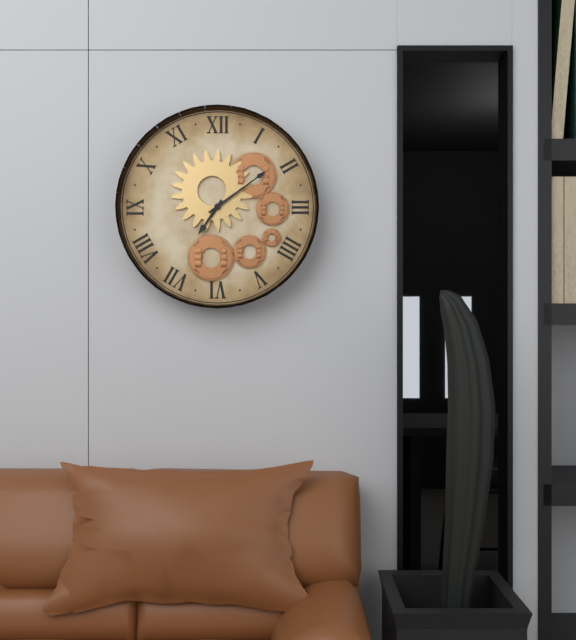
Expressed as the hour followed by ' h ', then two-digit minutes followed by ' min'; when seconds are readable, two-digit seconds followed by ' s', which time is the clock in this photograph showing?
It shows 7 h 09 min
